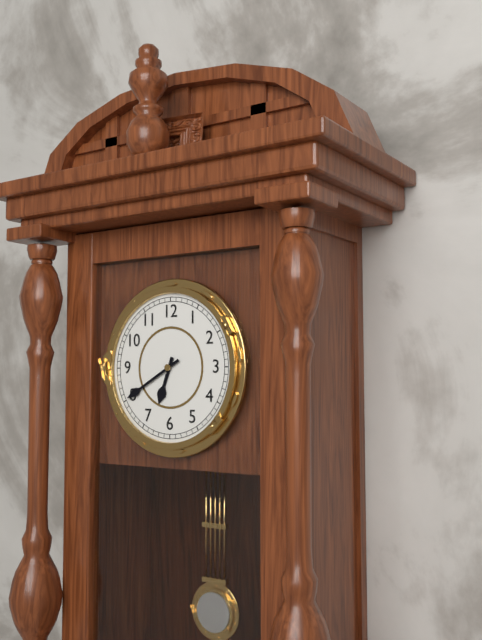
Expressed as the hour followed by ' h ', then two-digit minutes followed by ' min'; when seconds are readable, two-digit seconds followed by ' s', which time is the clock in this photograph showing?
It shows 6 h 40 min
